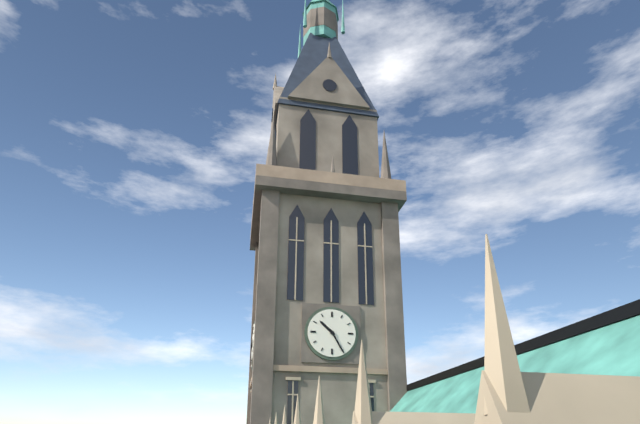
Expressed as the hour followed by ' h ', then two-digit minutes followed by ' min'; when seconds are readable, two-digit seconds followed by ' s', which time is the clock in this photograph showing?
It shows 10 h 25 min
